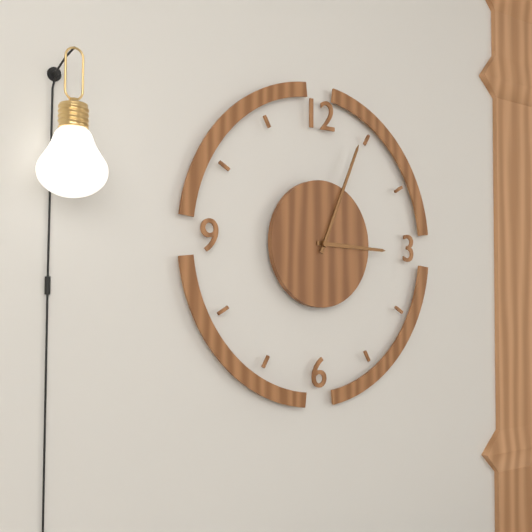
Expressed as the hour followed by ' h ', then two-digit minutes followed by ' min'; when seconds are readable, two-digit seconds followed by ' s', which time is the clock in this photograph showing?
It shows 3 h 04 min
